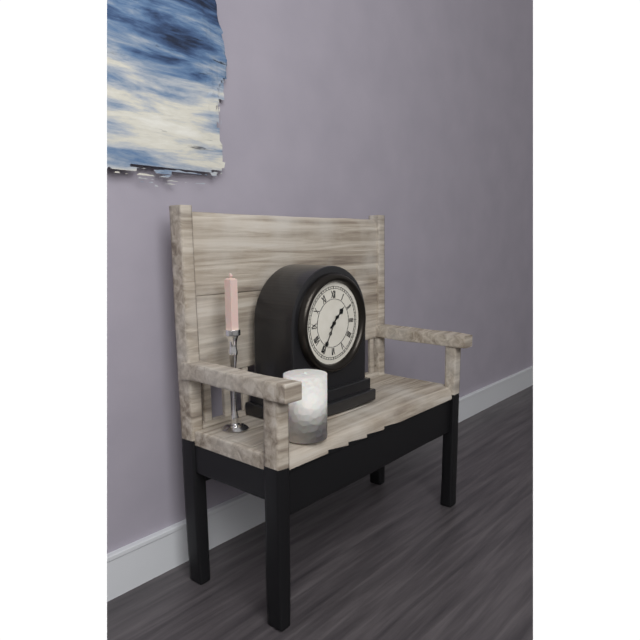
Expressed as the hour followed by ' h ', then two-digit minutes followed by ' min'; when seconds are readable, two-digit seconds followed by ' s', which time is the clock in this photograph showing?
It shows 1 h 35 min
